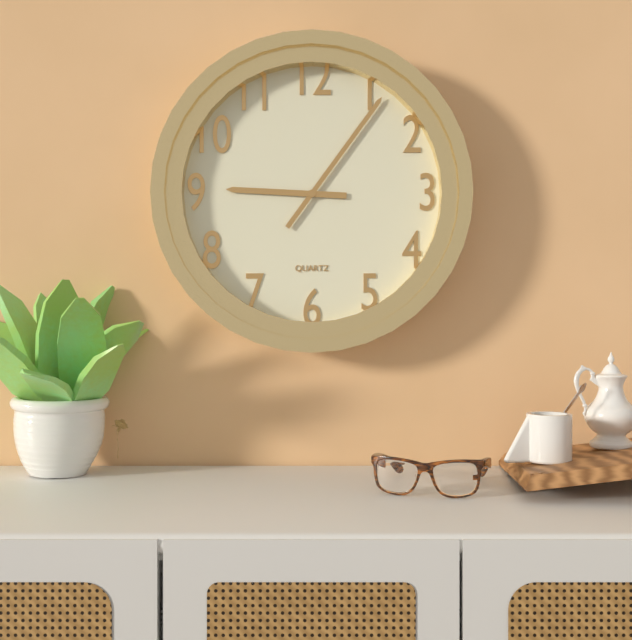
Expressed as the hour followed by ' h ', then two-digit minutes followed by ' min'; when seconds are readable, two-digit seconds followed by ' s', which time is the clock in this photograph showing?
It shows 9 h 06 min
